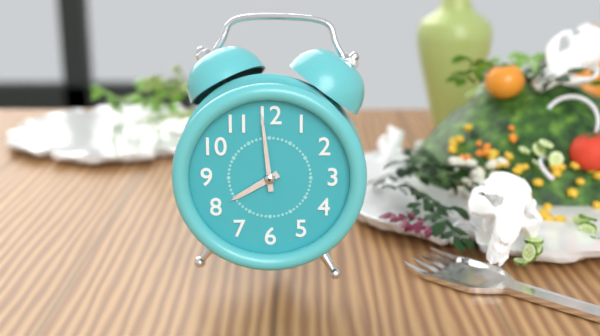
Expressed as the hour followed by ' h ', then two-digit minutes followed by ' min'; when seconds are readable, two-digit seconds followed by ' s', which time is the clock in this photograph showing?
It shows 7 h 59 min
